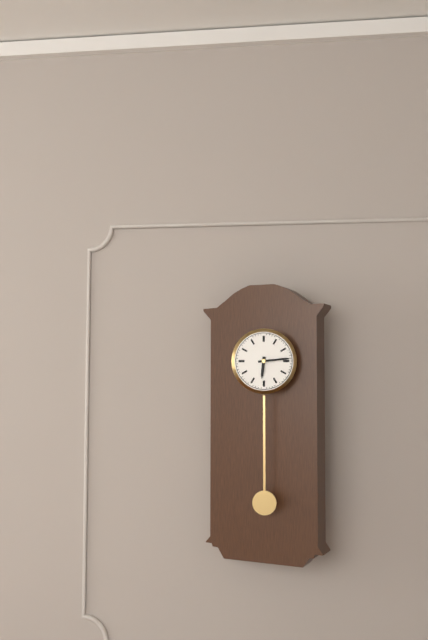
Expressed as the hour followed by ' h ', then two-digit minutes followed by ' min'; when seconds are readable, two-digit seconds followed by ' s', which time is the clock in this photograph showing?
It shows 6 h 14 min
